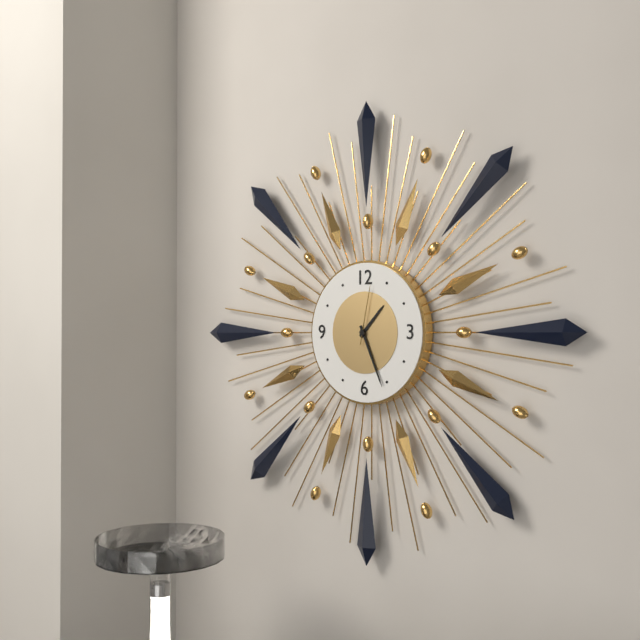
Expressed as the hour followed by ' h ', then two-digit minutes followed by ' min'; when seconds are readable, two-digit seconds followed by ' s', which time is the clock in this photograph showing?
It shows 1 h 26 min 02 s
